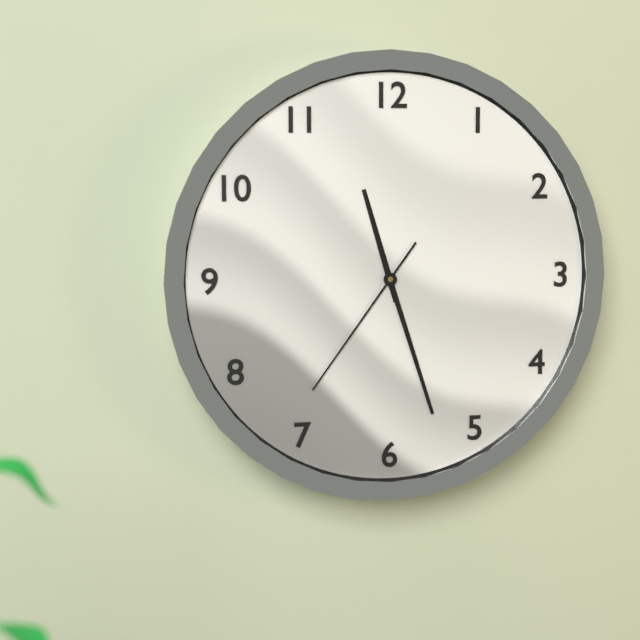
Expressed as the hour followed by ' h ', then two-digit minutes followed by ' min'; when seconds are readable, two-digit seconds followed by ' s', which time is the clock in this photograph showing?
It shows 11 h 27 min 36 s
